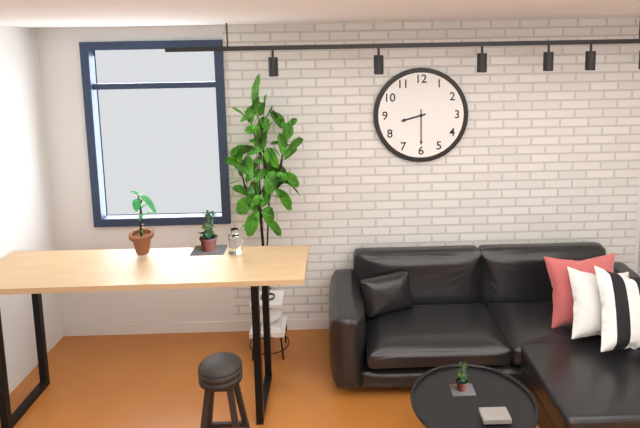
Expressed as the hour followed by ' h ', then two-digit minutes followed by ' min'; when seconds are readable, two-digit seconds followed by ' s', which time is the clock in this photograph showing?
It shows 8 h 30 min
